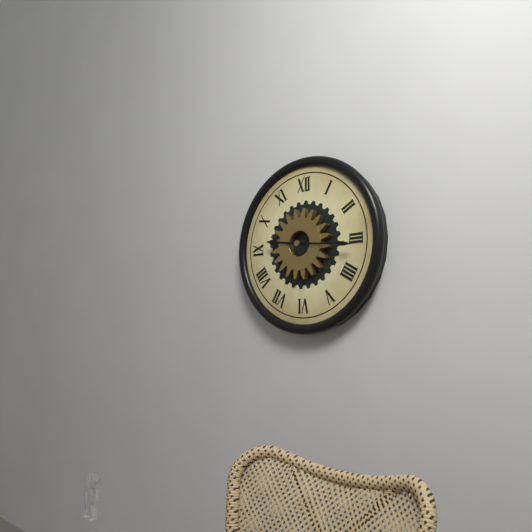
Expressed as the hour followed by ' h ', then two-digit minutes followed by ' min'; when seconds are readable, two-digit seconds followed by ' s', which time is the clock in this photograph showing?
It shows 9 h 16 min
